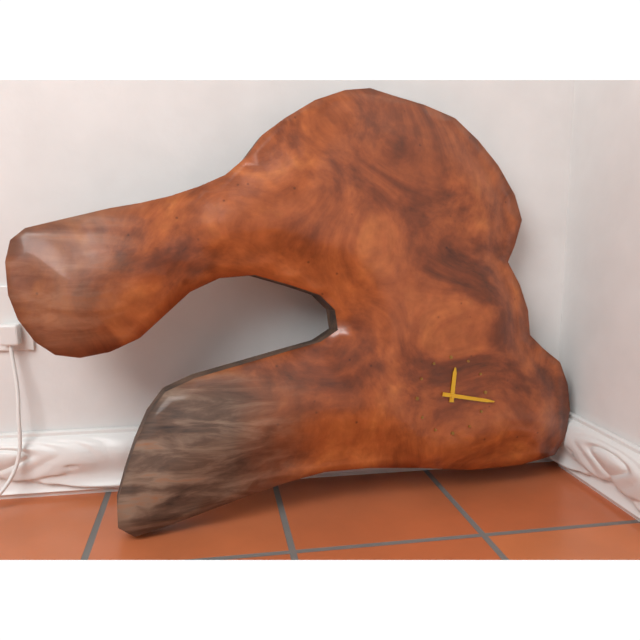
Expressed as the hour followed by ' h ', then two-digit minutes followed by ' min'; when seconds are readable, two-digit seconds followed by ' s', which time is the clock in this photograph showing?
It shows 12 h 17 min
